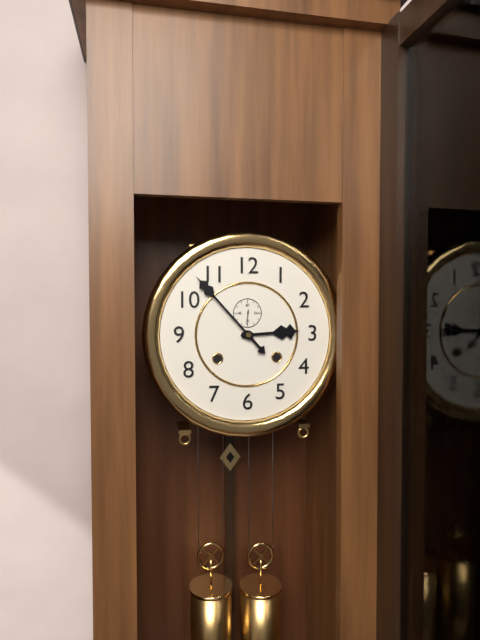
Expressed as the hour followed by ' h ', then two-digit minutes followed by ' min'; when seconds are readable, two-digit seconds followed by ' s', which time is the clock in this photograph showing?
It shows 2 h 53 min
